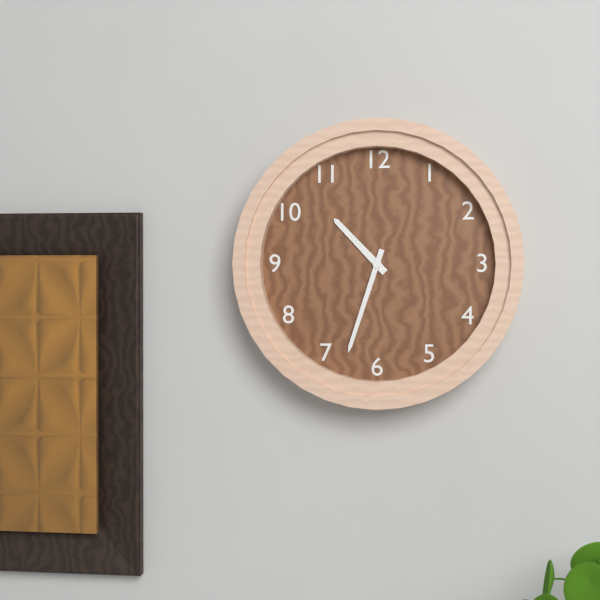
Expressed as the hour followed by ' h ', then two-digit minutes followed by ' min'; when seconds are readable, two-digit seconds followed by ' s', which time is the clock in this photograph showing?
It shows 10 h 33 min
